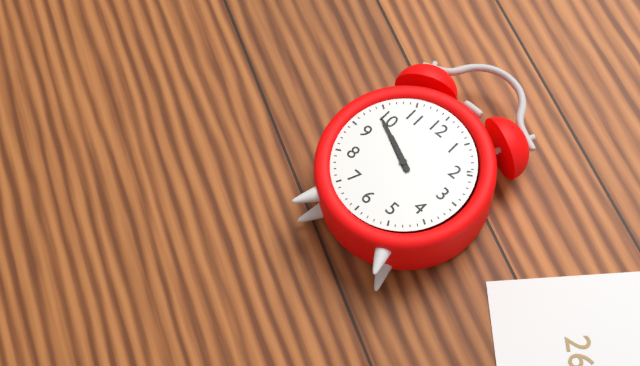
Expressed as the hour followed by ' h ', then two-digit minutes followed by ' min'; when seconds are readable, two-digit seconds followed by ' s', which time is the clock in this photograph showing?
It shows 9 h 49 min
